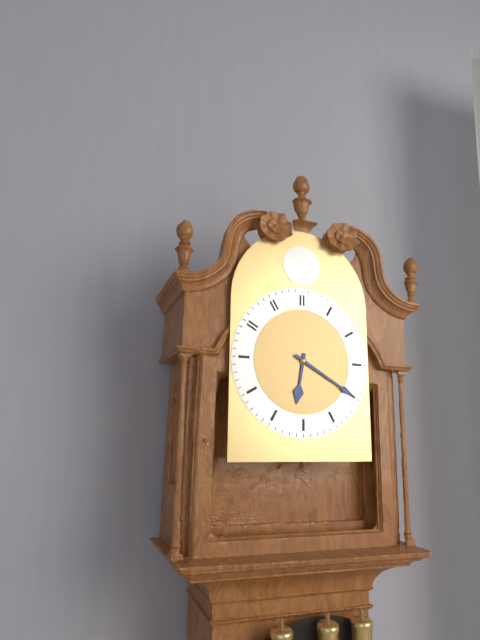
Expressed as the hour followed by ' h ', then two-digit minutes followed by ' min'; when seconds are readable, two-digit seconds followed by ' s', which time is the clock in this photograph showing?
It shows 6 h 20 min
